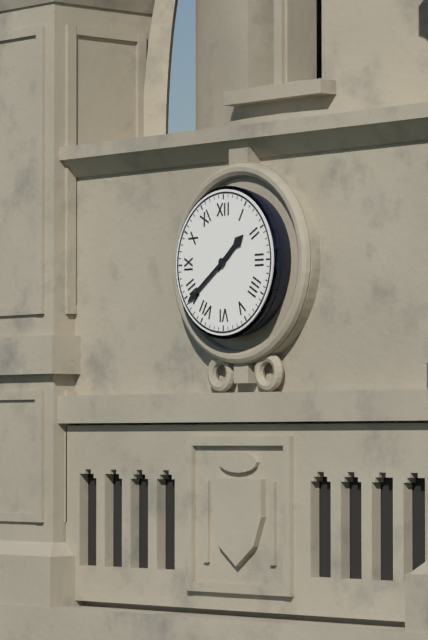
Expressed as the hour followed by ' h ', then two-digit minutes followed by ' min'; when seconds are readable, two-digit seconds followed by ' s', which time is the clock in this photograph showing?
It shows 1 h 39 min
